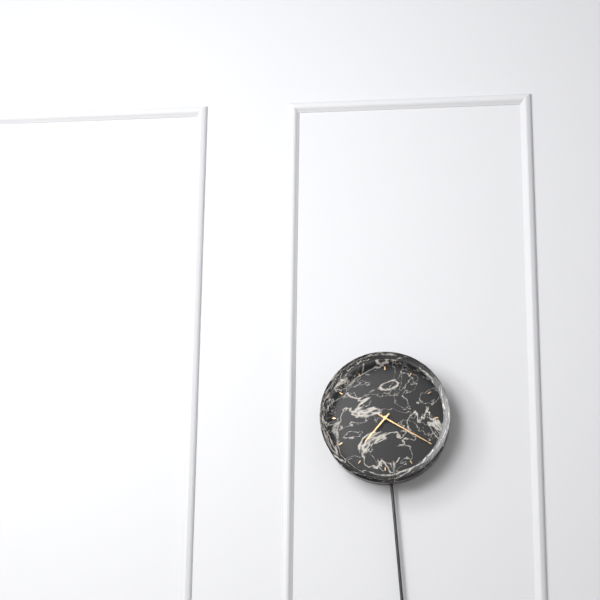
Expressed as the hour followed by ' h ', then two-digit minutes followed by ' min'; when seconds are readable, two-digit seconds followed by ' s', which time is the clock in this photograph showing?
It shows 7 h 20 min
